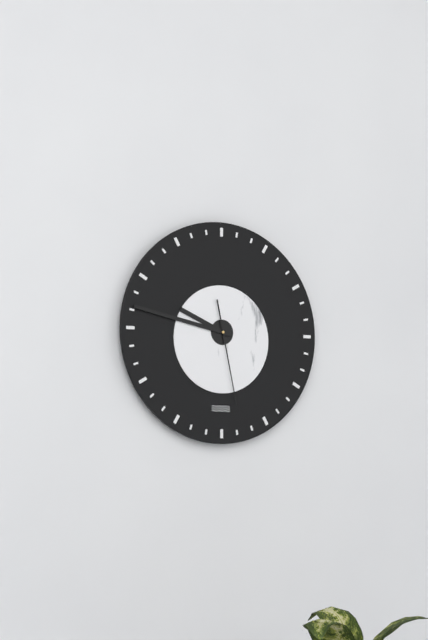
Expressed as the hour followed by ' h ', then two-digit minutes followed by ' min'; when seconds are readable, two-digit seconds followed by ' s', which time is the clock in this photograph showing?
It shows 9 h 47 min 28 s
